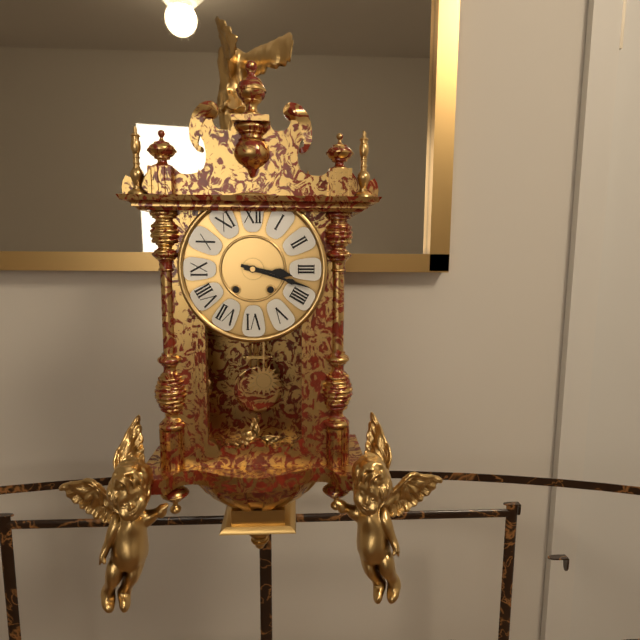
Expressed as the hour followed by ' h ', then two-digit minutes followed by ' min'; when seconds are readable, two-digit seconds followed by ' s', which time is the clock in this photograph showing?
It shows 3 h 18 min
